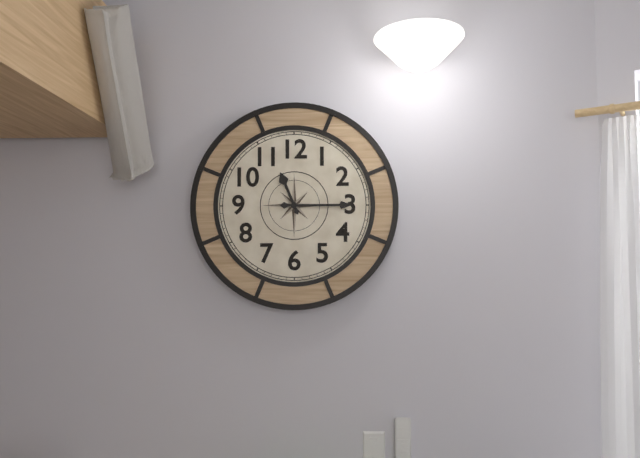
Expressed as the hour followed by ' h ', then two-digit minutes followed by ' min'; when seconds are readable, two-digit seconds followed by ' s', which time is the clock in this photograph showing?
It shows 11 h 15 min
